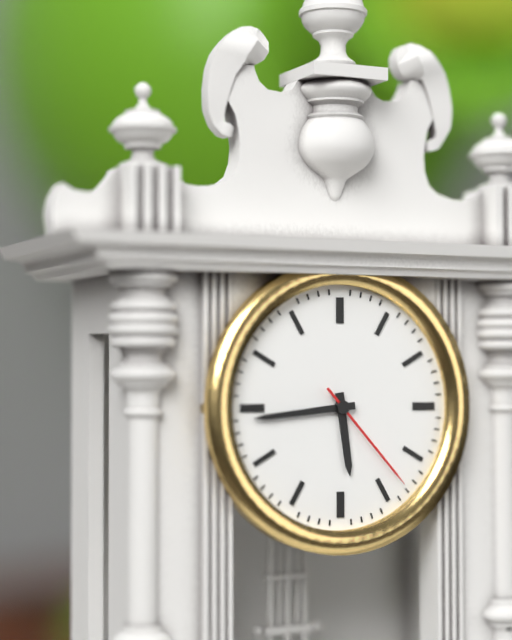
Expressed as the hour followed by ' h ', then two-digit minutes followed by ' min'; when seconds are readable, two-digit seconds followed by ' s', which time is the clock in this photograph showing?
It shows 5 h 44 min 23 s
